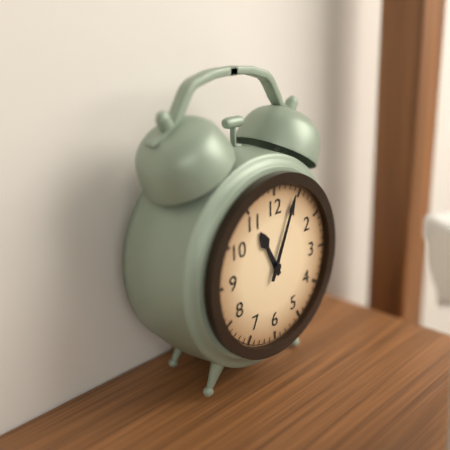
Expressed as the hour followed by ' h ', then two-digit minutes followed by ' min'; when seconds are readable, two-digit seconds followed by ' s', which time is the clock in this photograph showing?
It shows 11 h 04 min
